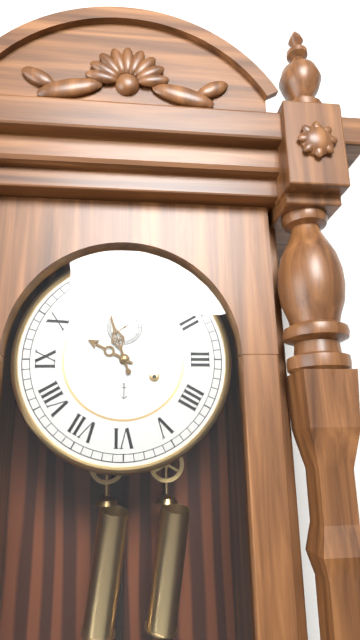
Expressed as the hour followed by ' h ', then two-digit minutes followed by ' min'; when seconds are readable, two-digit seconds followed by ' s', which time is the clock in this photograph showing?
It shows 9 h 57 min
